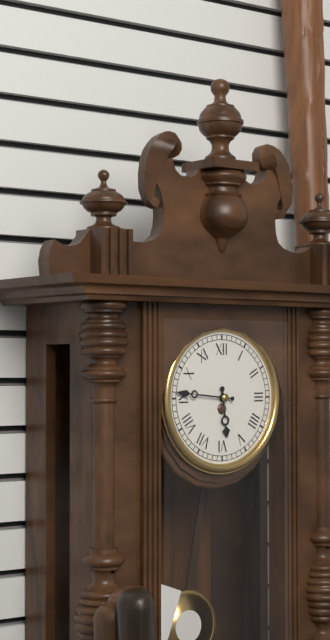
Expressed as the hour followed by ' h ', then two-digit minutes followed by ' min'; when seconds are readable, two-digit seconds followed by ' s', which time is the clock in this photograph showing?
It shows 5 h 46 min
